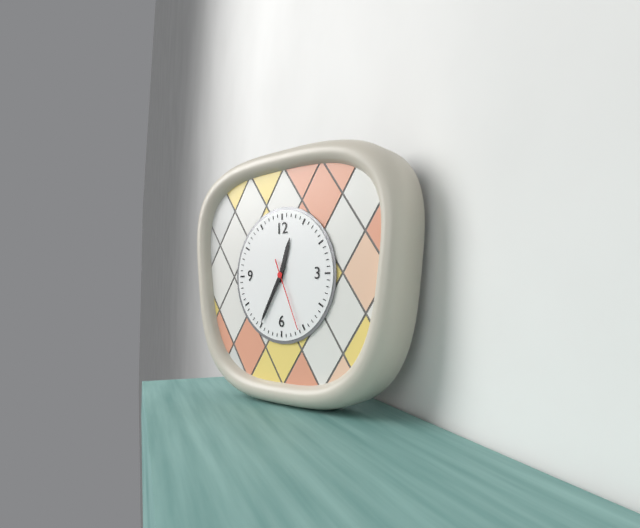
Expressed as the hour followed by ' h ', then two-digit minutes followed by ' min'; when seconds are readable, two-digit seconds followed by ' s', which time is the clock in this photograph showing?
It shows 12 h 35 min 26 s
